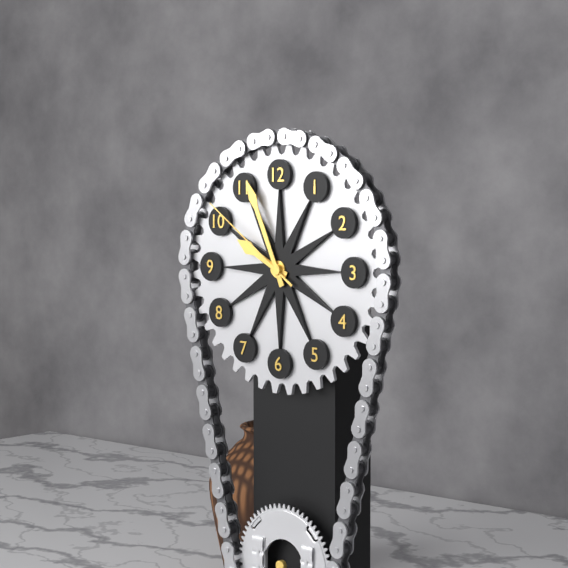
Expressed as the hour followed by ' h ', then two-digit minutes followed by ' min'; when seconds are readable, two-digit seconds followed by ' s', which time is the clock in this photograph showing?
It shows 9 h 56 min 51 s
